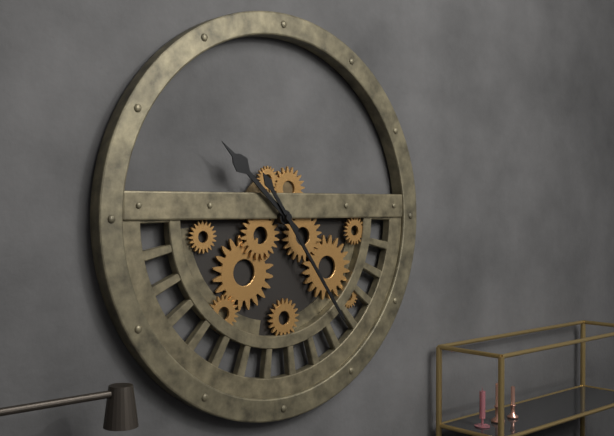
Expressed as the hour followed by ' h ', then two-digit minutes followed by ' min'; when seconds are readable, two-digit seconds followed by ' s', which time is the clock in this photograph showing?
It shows 10 h 24 min
